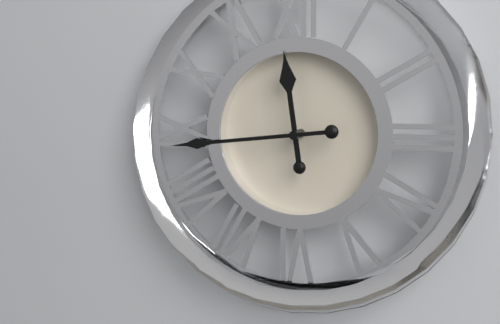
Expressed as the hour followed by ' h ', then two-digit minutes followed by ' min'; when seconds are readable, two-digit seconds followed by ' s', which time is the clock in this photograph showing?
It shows 11 h 44 min
